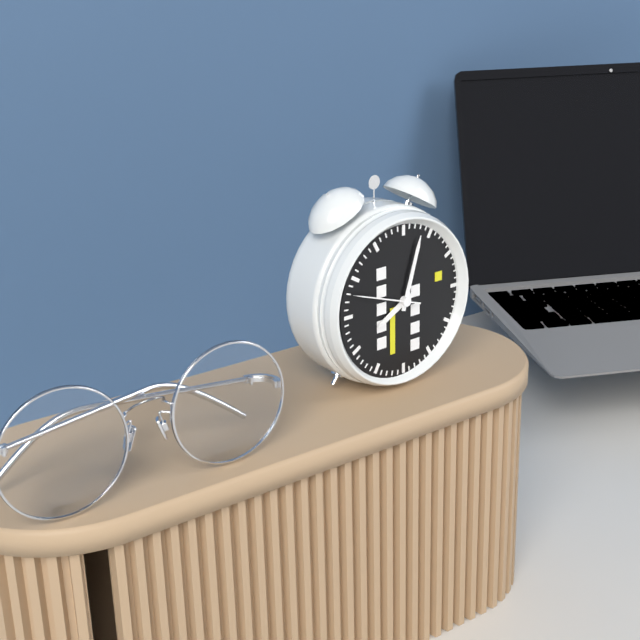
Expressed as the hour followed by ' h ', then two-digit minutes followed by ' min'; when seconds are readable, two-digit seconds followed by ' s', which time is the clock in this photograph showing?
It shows 8 h 03 min 48 s
